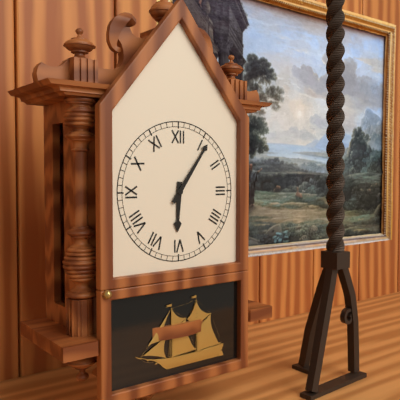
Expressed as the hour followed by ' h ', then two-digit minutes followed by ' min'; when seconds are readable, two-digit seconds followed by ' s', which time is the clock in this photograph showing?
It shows 6 h 06 min
